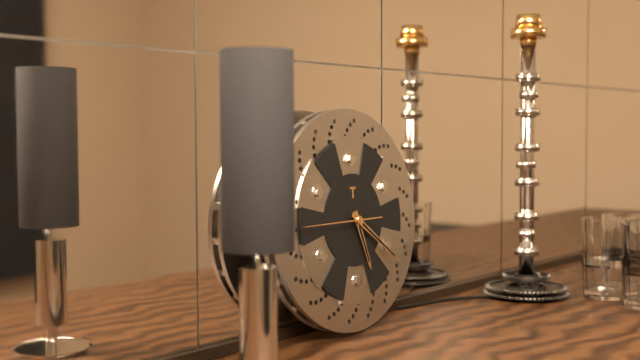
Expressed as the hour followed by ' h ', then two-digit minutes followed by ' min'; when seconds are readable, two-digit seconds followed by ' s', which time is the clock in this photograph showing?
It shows 5 h 21 min 45 s
